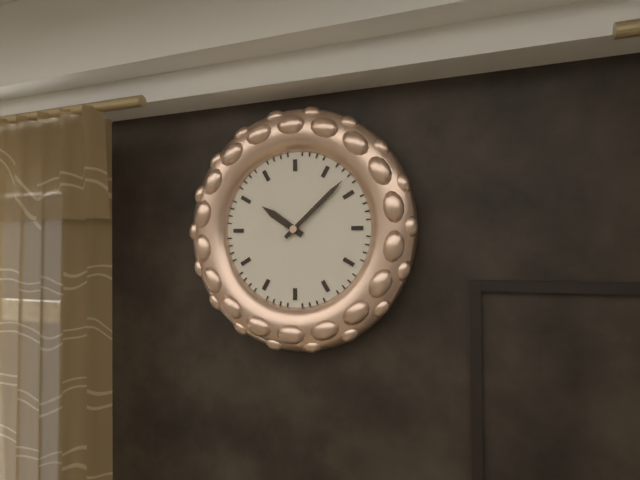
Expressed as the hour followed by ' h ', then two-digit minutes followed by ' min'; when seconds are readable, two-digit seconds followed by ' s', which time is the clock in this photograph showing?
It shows 10 h 08 min
